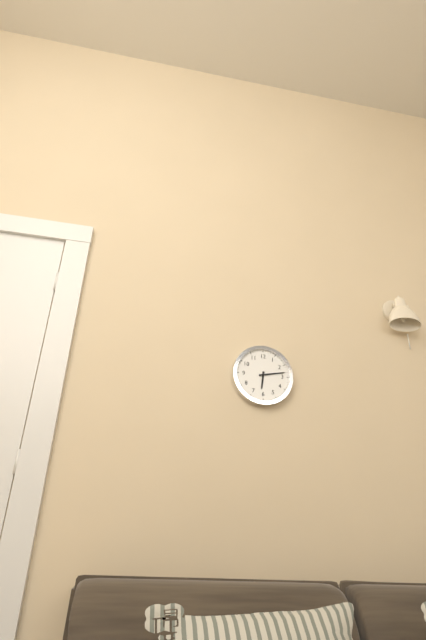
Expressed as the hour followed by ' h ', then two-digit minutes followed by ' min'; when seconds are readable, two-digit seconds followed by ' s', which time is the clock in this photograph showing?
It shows 6 h 13 min
